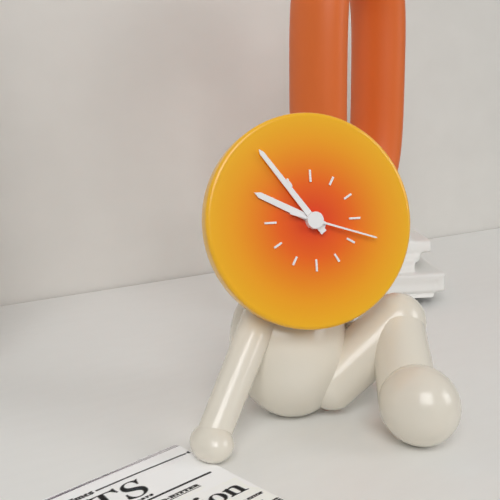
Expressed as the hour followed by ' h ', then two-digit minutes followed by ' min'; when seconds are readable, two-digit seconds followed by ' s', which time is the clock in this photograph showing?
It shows 9 h 54 min 18 s
